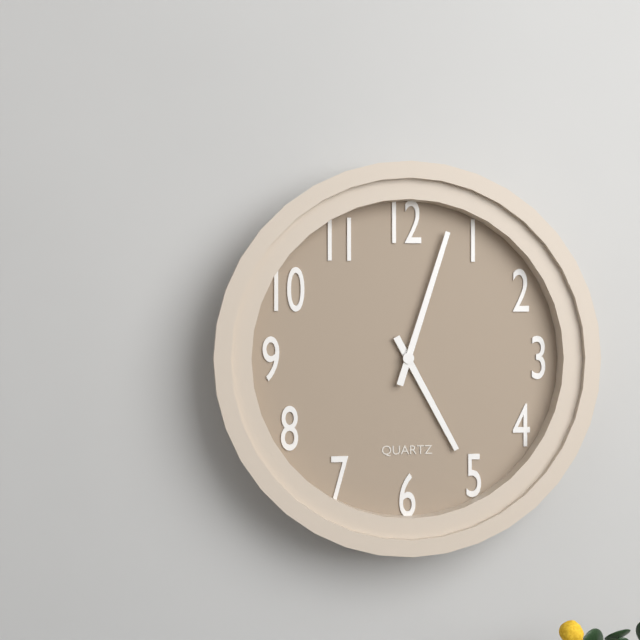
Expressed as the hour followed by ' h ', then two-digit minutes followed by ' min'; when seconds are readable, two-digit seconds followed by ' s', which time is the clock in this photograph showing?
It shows 5 h 03 min
